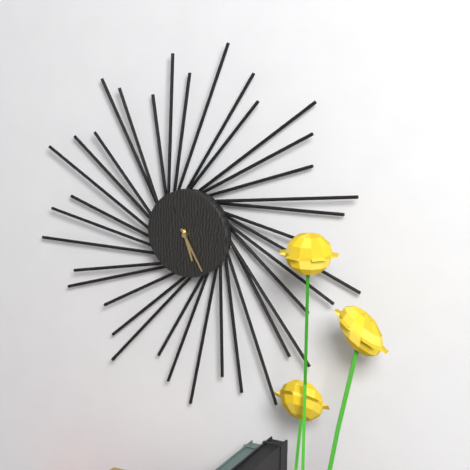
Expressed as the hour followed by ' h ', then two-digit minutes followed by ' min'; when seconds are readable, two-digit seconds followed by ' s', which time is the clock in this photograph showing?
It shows 5 h 25 min
